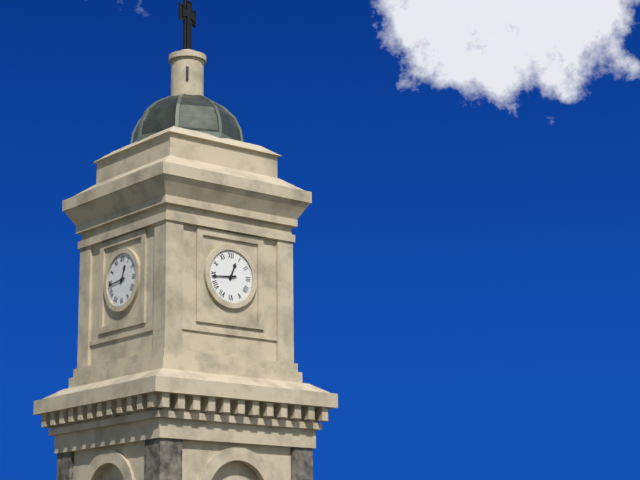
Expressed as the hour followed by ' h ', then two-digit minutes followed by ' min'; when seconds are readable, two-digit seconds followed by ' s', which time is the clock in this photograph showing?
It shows 12 h 44 min
